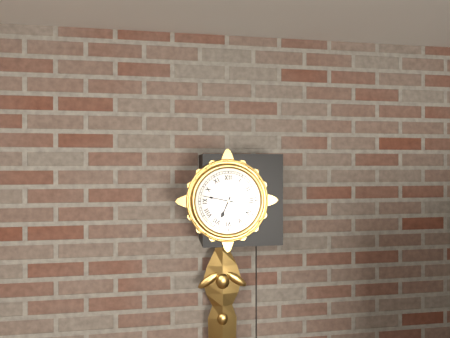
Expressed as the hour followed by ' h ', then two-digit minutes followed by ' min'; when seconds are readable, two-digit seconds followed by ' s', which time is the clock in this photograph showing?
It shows 6 h 47 min
